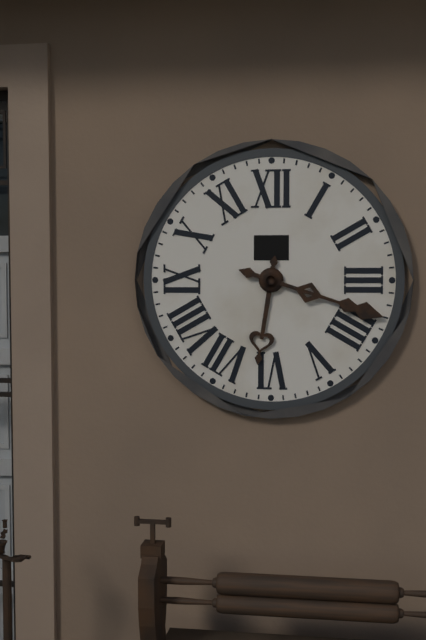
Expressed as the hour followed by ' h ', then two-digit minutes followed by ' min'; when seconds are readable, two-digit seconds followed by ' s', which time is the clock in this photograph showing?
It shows 6 h 18 min
